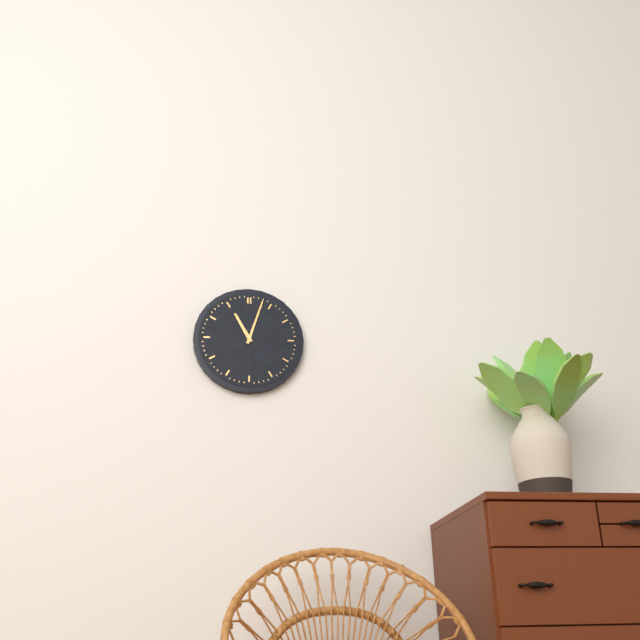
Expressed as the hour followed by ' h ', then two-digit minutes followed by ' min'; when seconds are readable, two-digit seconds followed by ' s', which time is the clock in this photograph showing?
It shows 11 h 03 min
